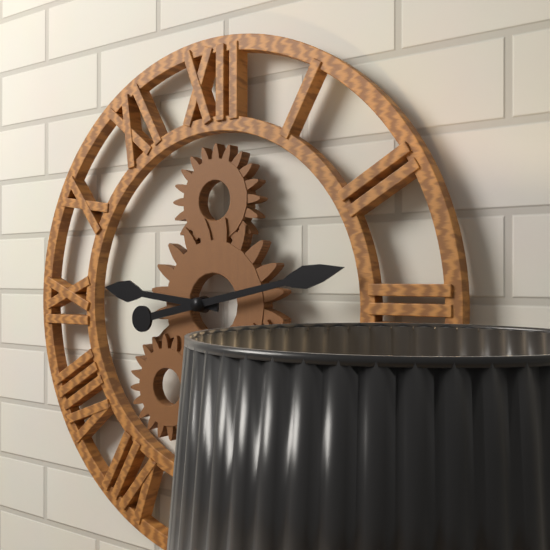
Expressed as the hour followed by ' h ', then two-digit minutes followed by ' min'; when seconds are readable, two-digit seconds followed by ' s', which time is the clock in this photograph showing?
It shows 9 h 13 min
